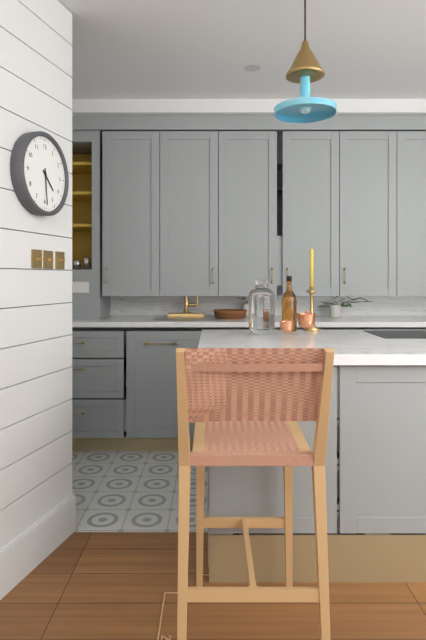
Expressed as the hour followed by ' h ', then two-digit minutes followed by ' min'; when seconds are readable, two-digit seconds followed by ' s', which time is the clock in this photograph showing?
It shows 4 h 29 min
